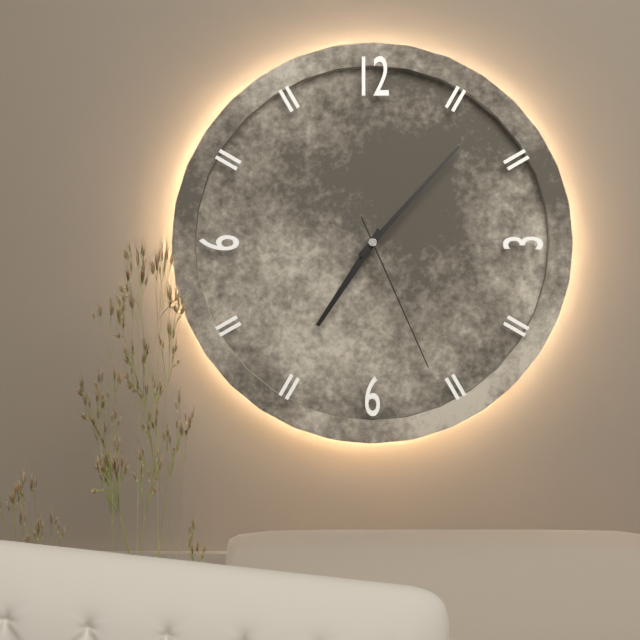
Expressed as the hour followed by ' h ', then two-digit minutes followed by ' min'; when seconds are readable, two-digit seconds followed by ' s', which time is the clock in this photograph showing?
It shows 7 h 07 min 26 s
